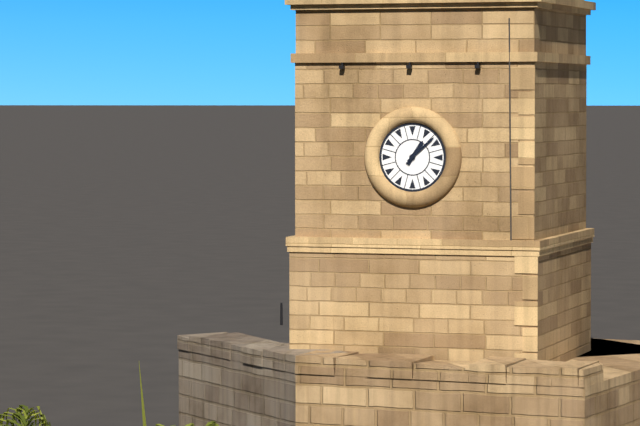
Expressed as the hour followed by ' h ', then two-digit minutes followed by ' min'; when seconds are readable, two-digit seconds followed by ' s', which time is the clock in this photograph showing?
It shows 1 h 08 min
